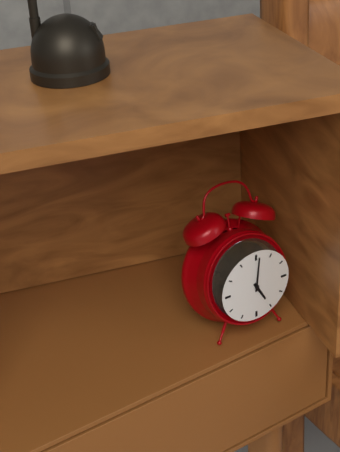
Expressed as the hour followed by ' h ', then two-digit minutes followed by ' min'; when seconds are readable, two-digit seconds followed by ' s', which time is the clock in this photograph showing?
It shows 5 h 01 min
